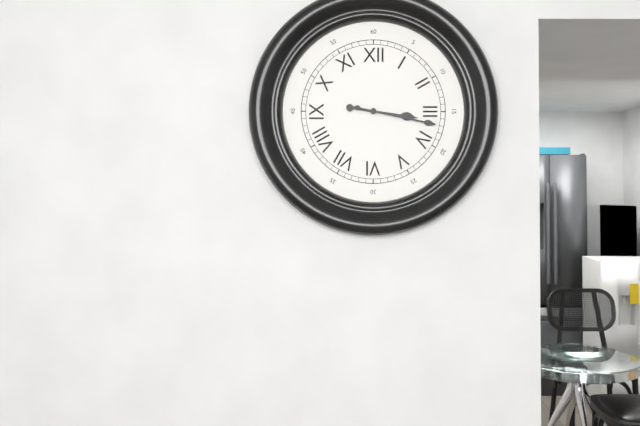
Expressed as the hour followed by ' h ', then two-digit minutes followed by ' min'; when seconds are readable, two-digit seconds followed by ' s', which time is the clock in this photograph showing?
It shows 3 h 17 min
